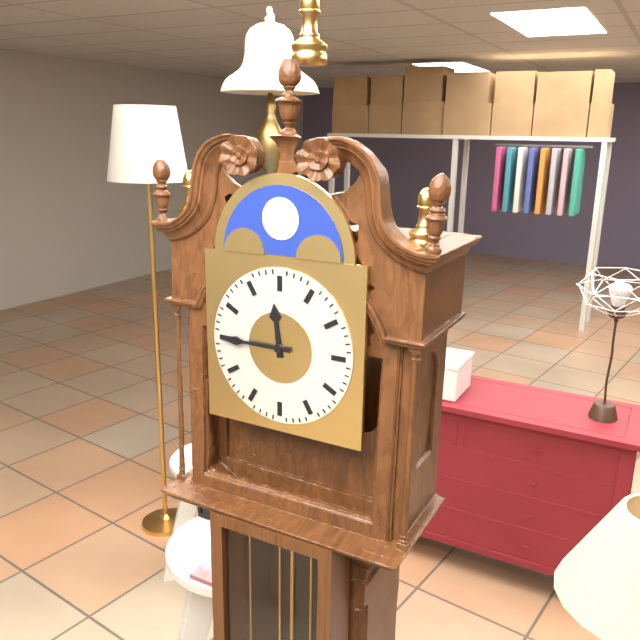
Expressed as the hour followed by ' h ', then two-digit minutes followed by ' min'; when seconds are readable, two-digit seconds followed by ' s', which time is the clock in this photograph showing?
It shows 11 h 45 min
